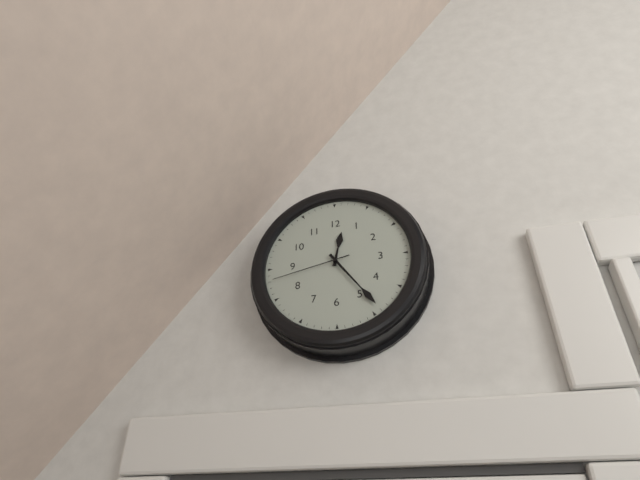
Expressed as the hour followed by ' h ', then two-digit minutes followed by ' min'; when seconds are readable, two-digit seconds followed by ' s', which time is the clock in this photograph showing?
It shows 12 h 24 min 43 s
